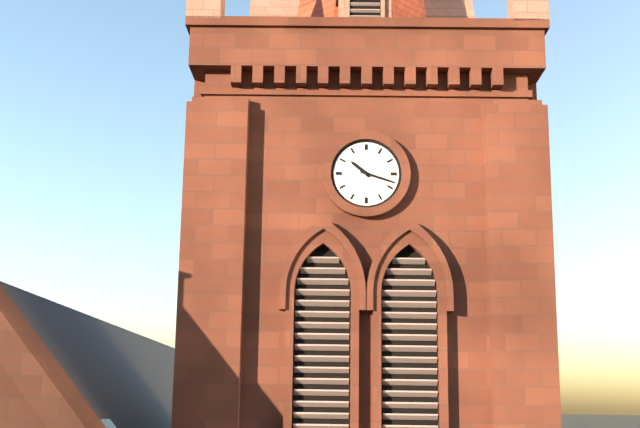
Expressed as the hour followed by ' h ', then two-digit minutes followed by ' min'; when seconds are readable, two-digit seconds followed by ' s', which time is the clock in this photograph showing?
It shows 10 h 18 min
